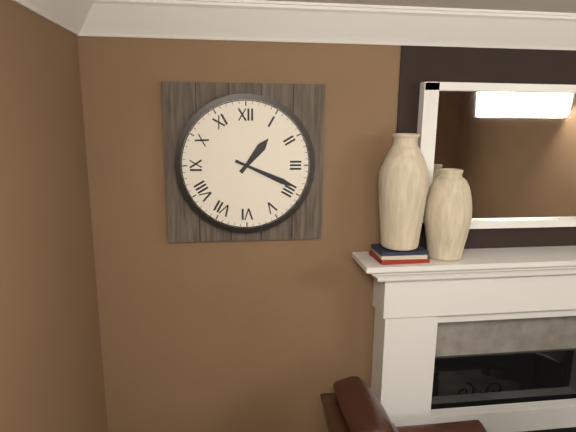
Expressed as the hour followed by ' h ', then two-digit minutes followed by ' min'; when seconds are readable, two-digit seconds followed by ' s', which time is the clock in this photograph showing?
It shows 1 h 19 min
